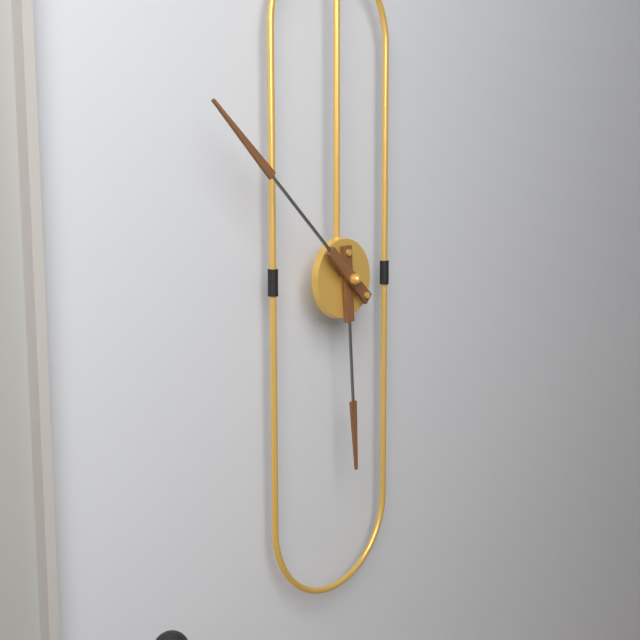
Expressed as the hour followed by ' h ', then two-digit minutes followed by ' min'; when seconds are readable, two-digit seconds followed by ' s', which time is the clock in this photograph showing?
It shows 5 h 52 min
